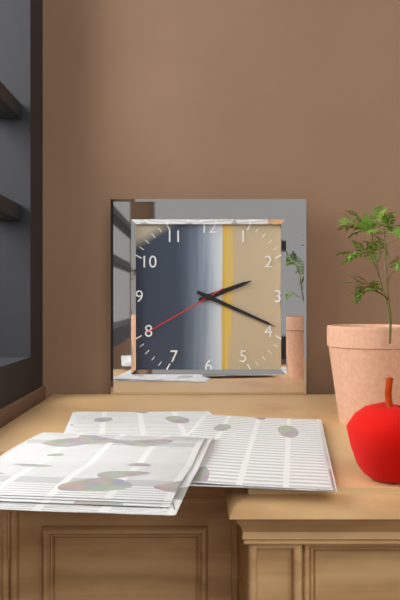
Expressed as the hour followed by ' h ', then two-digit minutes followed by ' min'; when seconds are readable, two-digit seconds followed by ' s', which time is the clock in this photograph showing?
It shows 2 h 19 min 40 s
